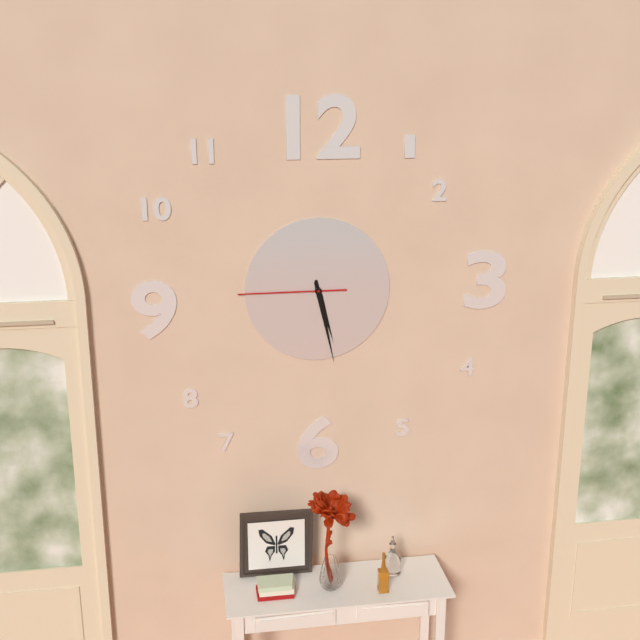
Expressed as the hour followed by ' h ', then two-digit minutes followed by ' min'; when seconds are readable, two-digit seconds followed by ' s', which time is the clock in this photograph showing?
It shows 5 h 28 min 45 s
